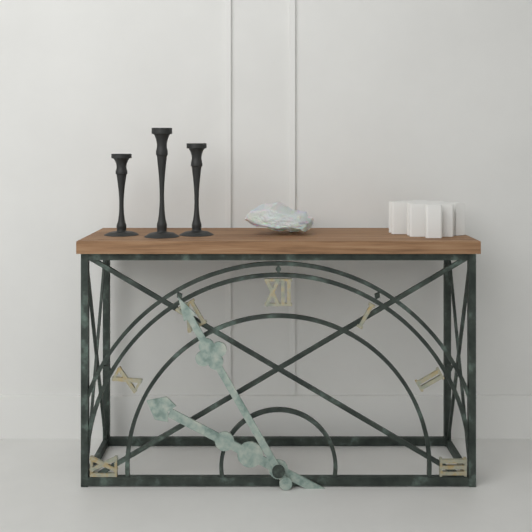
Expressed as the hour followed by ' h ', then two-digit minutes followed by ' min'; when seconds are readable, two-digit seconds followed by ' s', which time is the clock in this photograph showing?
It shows 9 h 55 min
